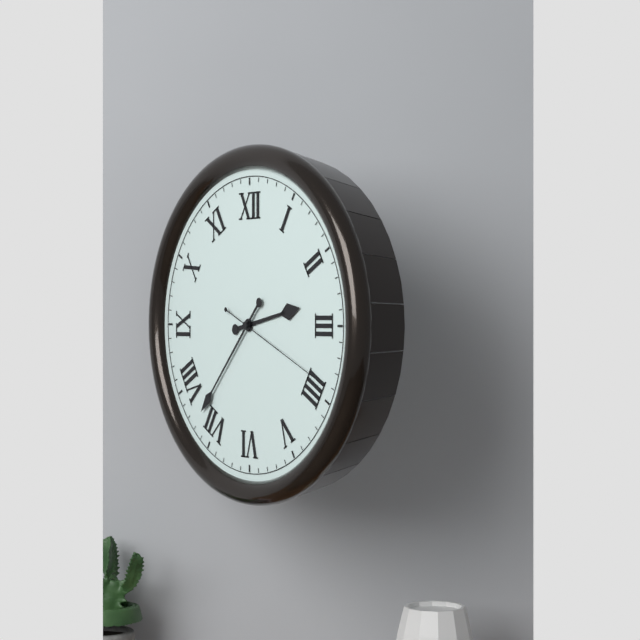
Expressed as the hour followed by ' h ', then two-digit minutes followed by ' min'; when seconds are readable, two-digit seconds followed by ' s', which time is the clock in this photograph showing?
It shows 2 h 37 min 19 s
